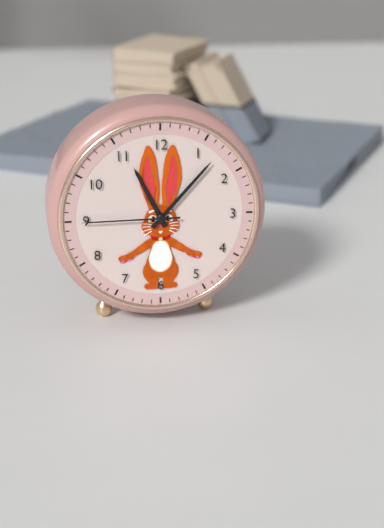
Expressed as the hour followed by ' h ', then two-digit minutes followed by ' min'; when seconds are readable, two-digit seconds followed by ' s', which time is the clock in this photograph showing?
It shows 11 h 07 min 45 s
